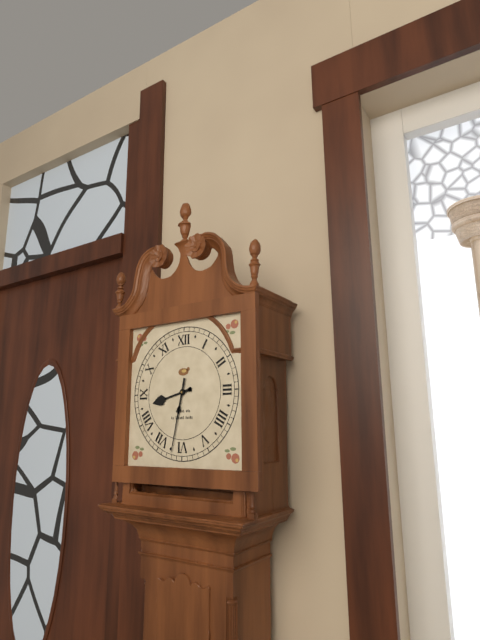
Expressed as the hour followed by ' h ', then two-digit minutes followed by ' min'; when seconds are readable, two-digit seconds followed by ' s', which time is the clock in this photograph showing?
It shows 8 h 32 min
